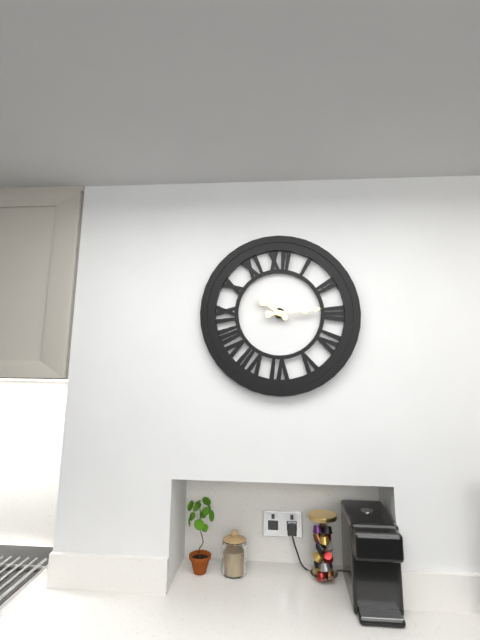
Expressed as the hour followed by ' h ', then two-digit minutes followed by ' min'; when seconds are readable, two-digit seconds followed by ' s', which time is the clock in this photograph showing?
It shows 10 h 14 min
